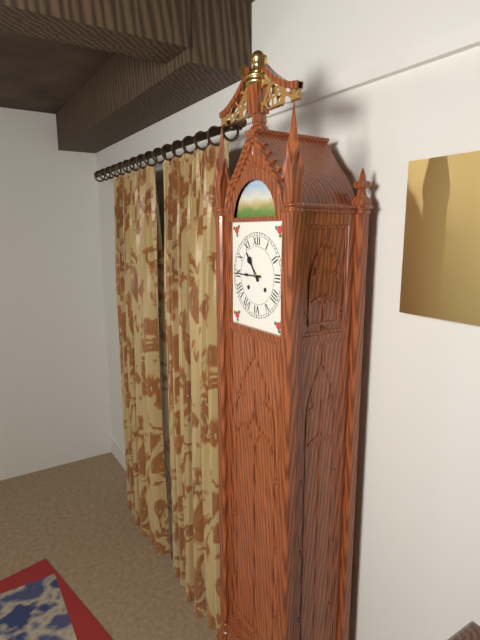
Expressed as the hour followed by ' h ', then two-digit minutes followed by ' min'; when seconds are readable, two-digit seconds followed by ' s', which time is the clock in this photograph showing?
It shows 10 h 45 min
